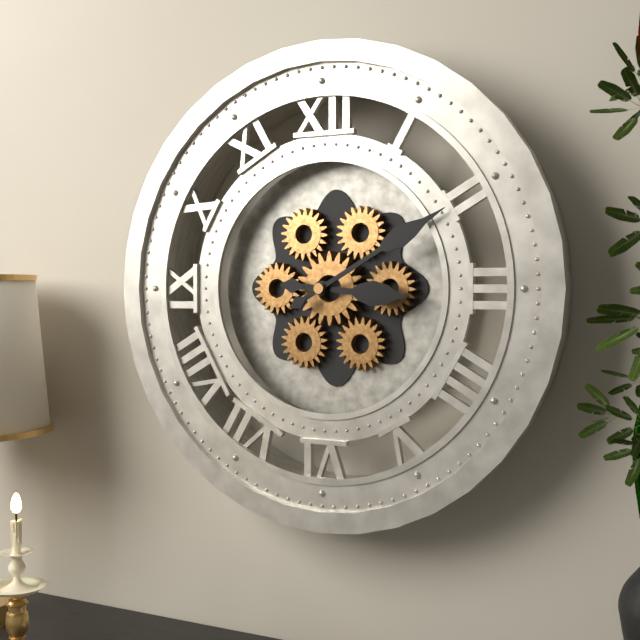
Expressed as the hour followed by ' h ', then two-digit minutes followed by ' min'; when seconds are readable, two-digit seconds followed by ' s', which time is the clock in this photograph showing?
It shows 3 h 10 min
